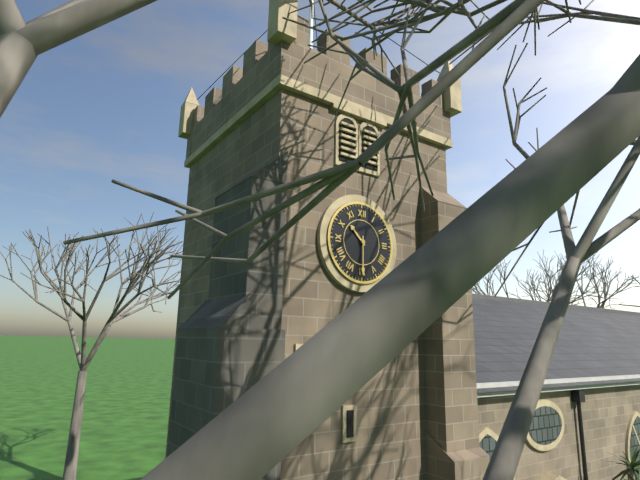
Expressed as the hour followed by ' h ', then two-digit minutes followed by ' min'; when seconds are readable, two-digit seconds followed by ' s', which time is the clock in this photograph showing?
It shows 10 h 30 min
